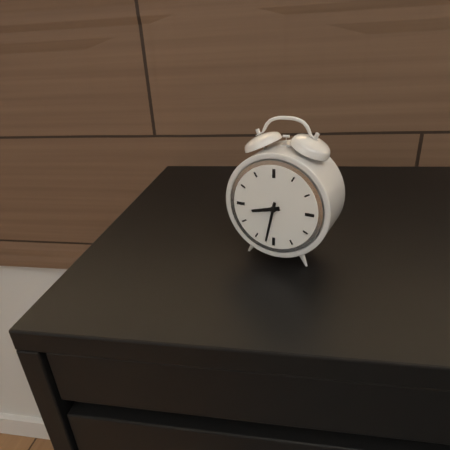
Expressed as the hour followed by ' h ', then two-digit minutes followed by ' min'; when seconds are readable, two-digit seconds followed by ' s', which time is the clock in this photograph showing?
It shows 8 h 32 min
